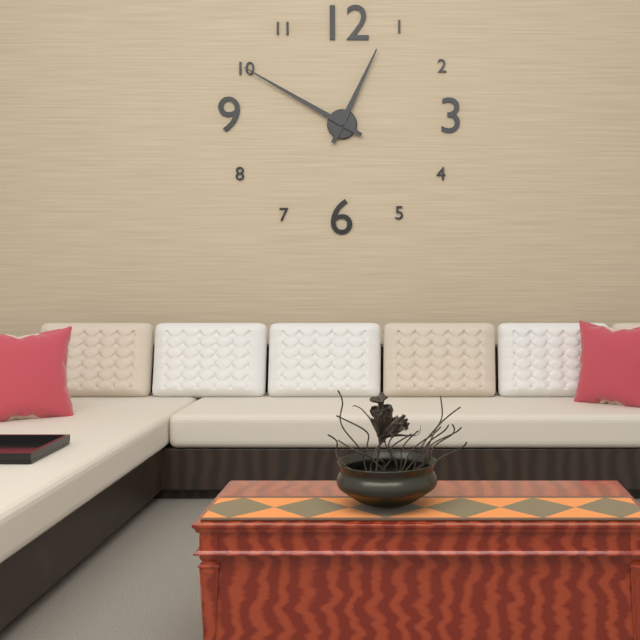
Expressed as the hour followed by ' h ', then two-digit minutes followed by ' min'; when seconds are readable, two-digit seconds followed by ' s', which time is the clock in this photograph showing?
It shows 12 h 50 min
